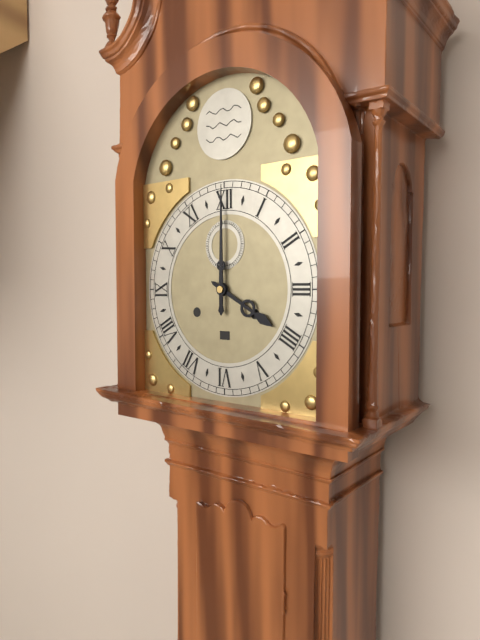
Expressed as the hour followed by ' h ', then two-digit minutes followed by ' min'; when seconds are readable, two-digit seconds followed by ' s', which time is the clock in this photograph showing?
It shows 4 h 00 min
